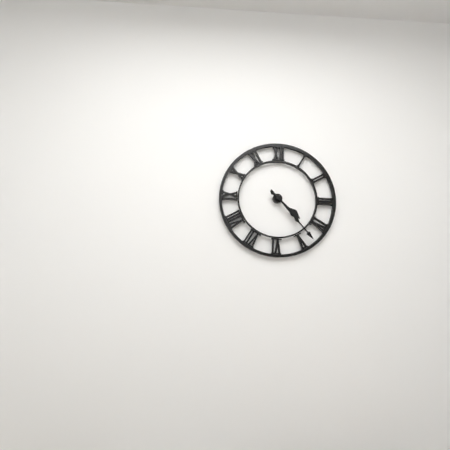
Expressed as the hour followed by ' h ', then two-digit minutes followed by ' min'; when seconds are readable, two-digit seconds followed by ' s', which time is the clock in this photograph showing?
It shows 4 h 23 min
